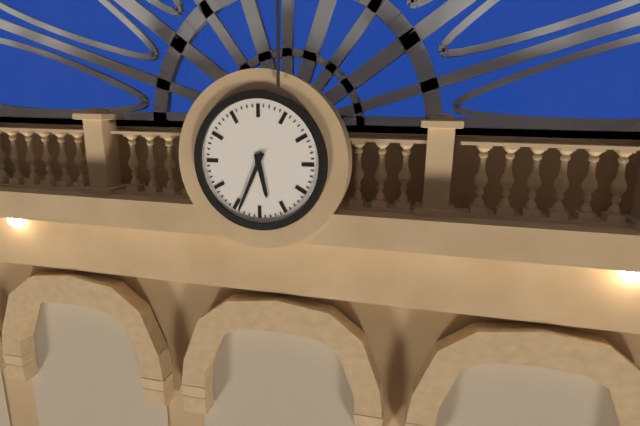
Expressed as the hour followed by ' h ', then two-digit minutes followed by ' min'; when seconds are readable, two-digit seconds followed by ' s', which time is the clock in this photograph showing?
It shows 5 h 34 min
